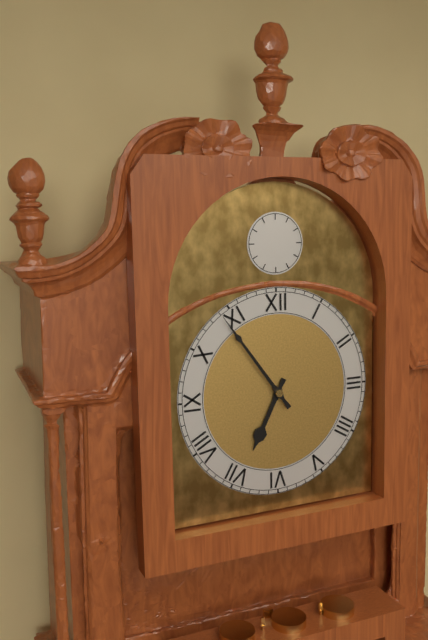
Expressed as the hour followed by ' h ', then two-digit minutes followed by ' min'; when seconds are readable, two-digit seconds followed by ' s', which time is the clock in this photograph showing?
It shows 6 h 54 min
